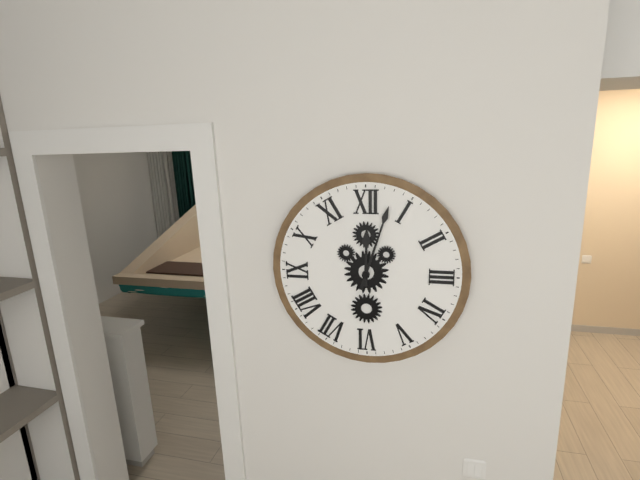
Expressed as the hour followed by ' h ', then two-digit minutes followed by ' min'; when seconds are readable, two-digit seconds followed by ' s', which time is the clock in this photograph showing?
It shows 12 h 03 min
